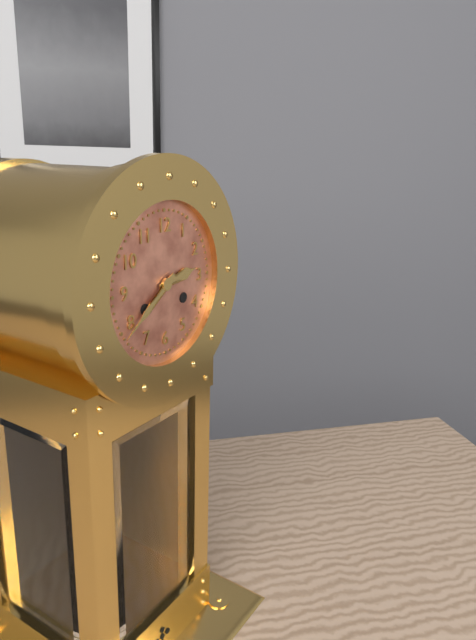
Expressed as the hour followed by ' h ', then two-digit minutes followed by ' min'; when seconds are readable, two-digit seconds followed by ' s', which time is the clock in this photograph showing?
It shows 2 h 39 min
